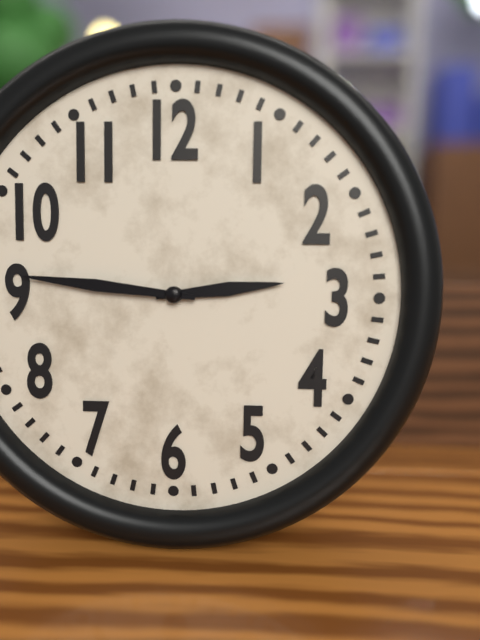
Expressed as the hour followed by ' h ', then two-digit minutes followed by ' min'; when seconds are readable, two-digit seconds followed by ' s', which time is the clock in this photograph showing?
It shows 2 h 46 min
